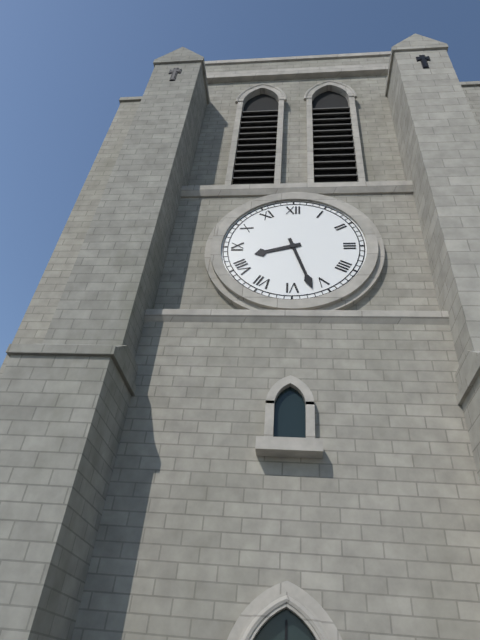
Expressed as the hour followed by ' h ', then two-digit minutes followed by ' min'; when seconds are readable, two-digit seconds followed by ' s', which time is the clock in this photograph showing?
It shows 8 h 27 min
